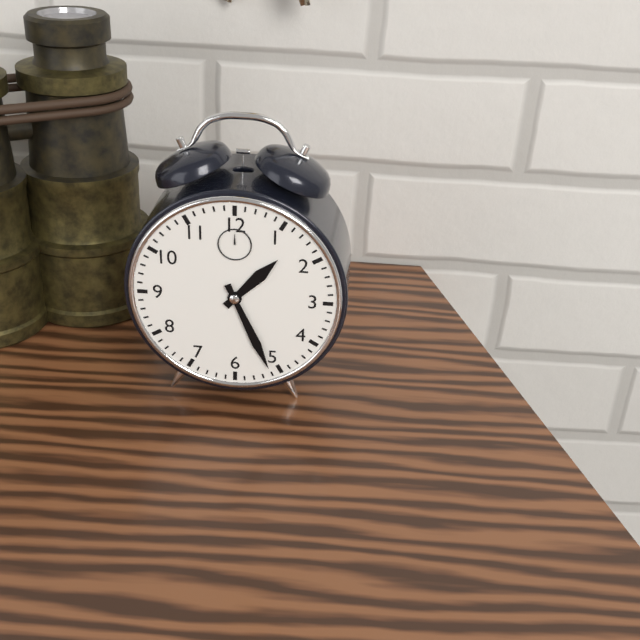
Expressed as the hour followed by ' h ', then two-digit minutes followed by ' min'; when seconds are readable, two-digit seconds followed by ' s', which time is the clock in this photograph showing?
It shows 1 h 26 min
